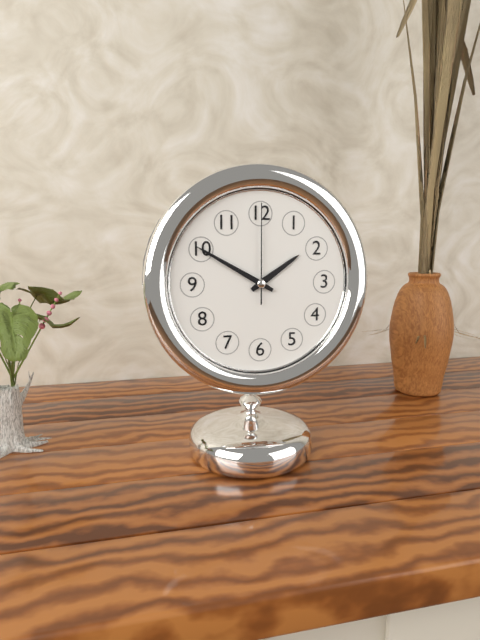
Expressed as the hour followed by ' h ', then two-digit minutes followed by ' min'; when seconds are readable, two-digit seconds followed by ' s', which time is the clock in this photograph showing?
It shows 1 h 50 min 00 s
